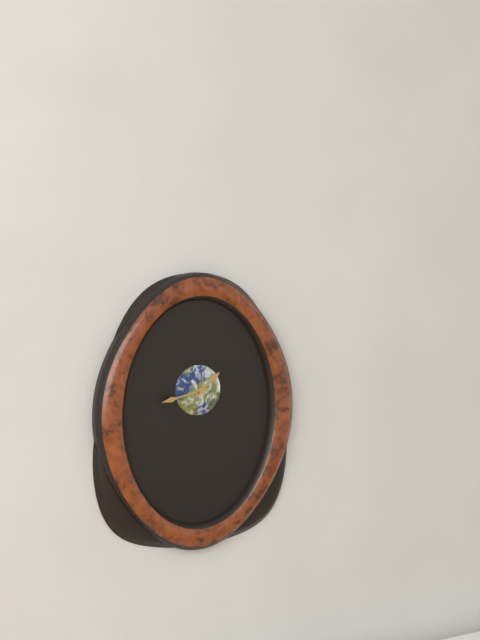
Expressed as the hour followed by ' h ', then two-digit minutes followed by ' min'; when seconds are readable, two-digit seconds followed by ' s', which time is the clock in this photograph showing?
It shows 1 h 43 min
